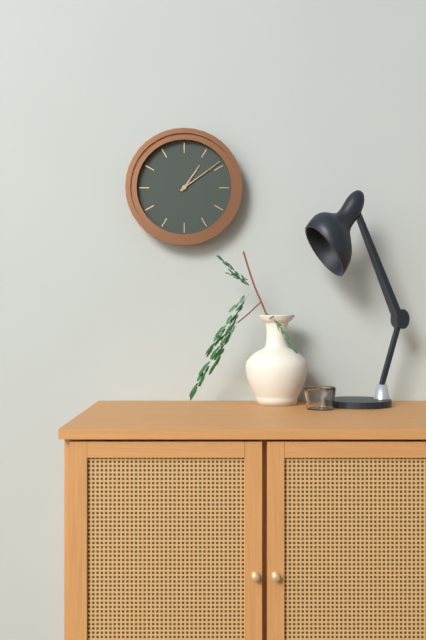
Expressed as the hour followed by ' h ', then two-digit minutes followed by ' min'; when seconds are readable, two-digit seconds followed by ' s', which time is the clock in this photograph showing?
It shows 1 h 09 min
